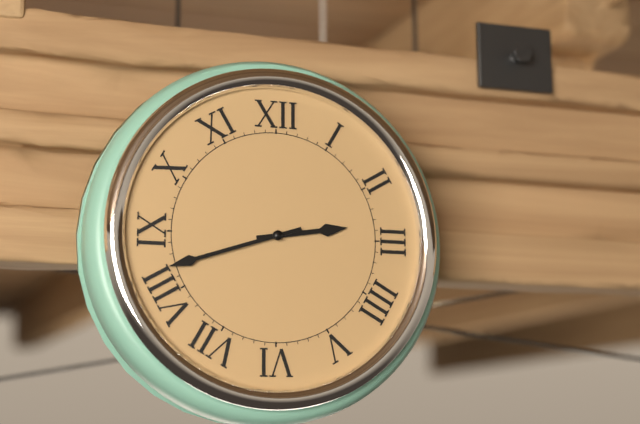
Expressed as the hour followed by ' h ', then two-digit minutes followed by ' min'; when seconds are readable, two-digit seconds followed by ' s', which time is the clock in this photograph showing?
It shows 2 h 42 min
